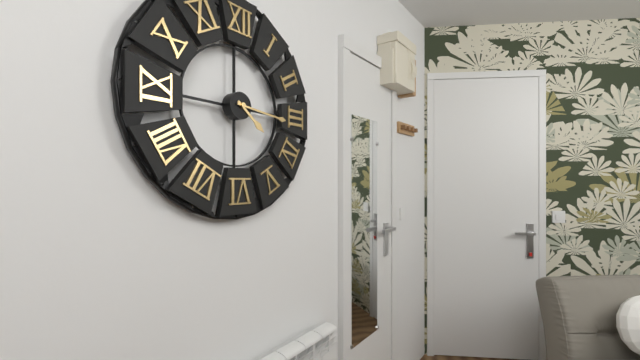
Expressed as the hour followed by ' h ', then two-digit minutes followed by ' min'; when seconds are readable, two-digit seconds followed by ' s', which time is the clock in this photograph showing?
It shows 4 h 16 min
